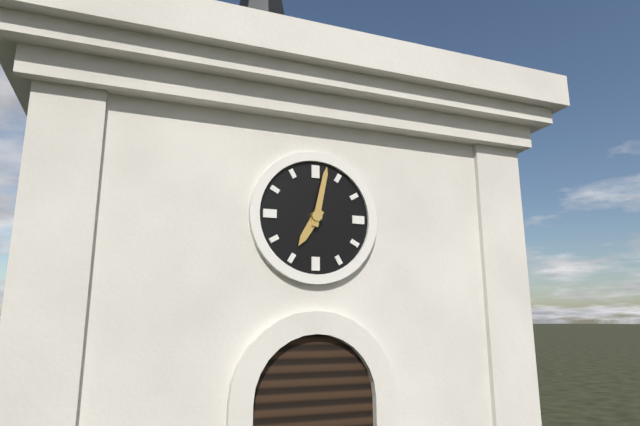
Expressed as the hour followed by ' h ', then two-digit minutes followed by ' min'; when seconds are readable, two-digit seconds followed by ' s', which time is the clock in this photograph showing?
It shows 7 h 02 min
